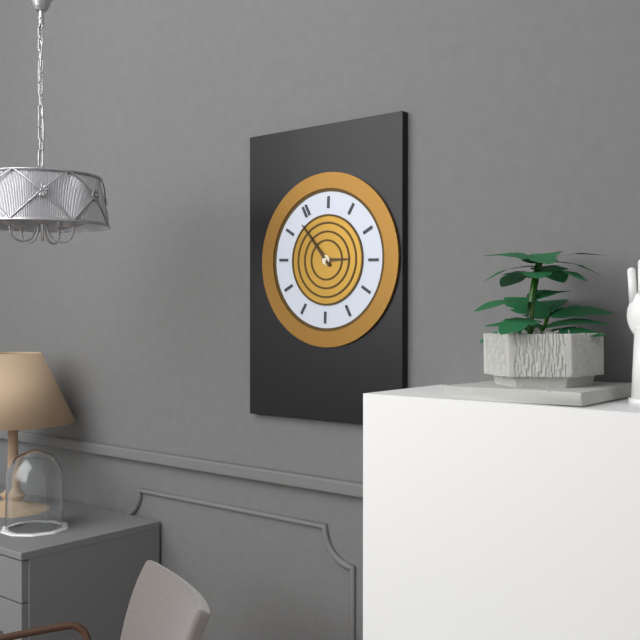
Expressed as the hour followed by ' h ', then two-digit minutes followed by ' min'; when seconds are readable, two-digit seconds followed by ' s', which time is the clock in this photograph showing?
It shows 3 h 58 min
